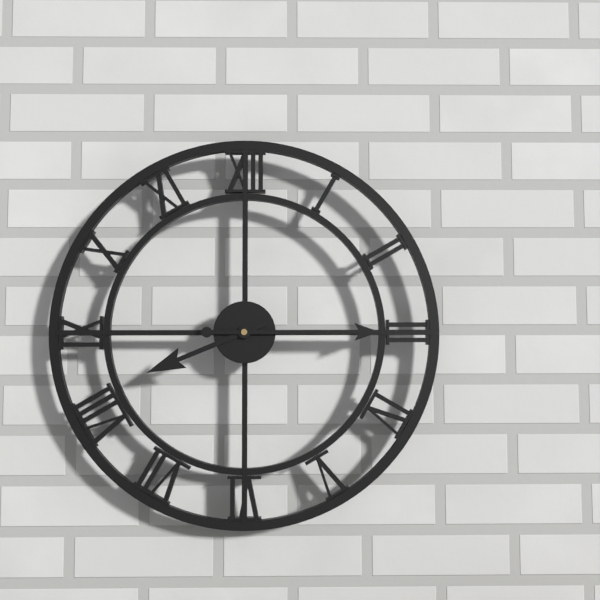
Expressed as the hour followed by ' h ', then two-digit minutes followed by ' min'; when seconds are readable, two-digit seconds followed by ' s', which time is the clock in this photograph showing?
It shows 8 h 15 min
